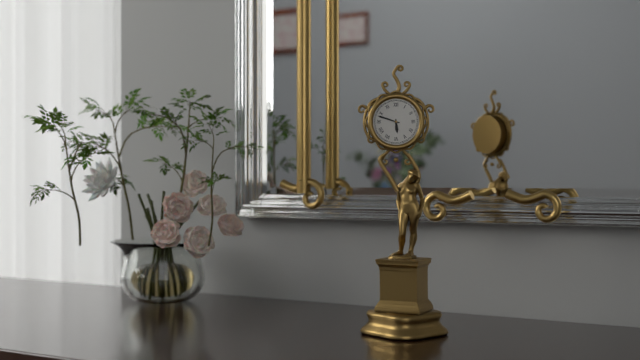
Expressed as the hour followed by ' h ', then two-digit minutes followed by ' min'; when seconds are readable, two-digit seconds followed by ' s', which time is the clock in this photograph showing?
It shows 5 h 48 min
